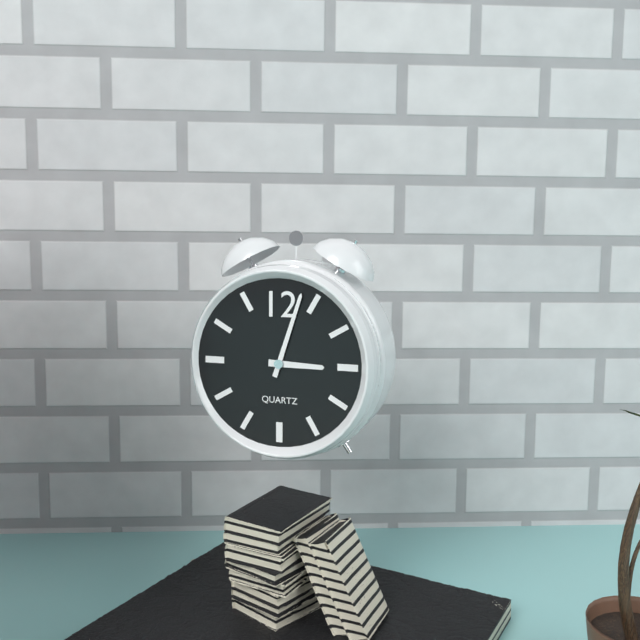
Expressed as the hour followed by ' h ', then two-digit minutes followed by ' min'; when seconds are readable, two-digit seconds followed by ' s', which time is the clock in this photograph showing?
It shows 3 h 03 min
